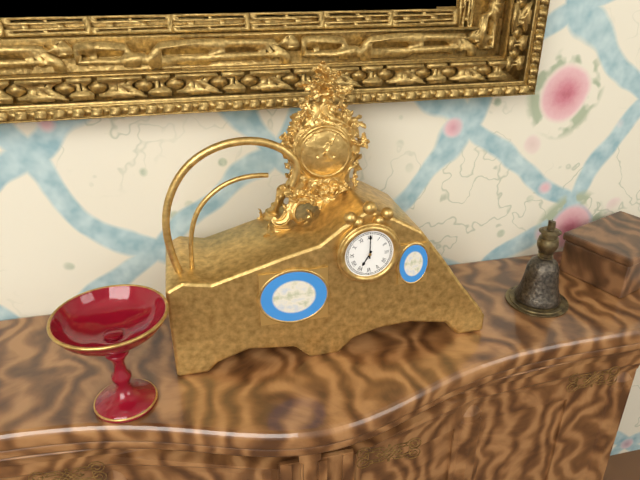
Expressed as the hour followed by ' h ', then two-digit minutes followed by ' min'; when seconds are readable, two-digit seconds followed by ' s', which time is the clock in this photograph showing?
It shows 7 h 00 min
